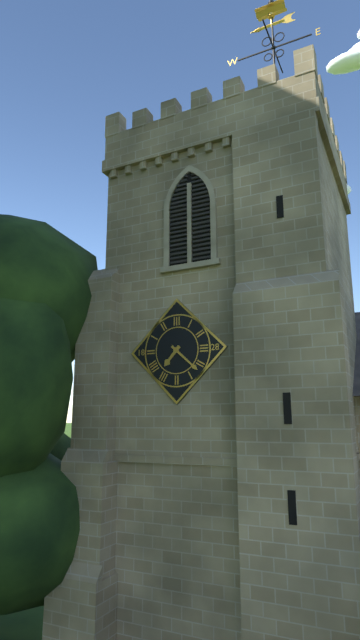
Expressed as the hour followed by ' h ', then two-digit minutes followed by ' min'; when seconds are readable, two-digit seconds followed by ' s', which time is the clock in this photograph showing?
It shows 7 h 22 min
